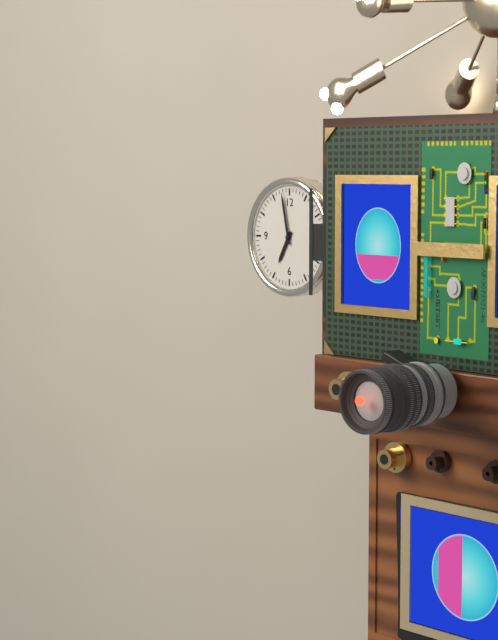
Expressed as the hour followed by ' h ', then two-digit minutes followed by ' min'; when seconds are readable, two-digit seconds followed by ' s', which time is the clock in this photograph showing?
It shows 6 h 58 min
